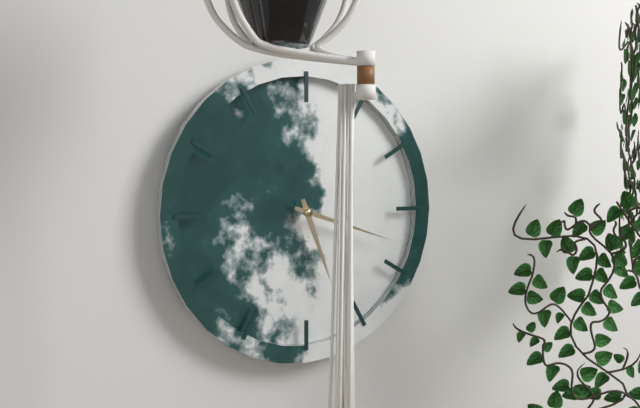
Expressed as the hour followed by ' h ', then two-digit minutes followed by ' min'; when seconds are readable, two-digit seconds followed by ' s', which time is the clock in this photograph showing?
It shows 5 h 18 min
